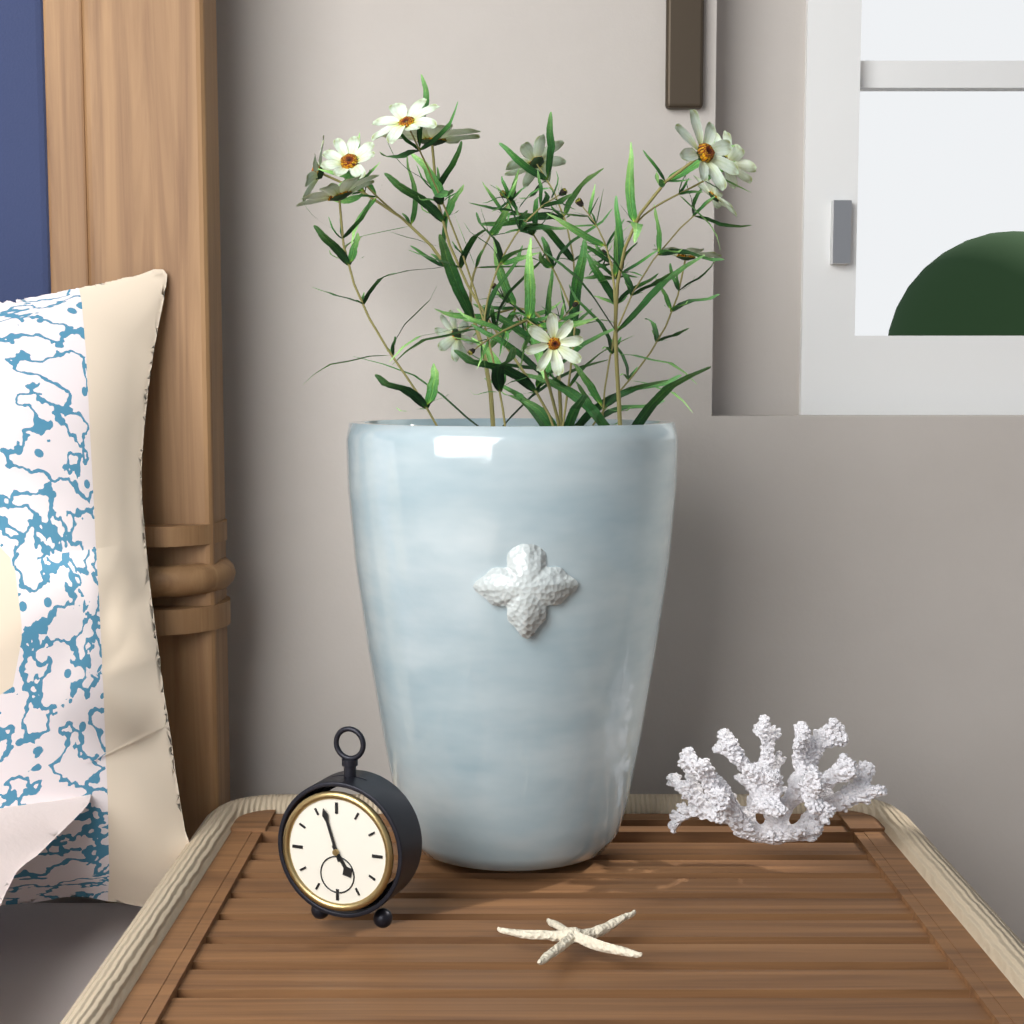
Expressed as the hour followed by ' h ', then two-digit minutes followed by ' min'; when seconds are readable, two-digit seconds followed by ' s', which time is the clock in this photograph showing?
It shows 4 h 57 min
